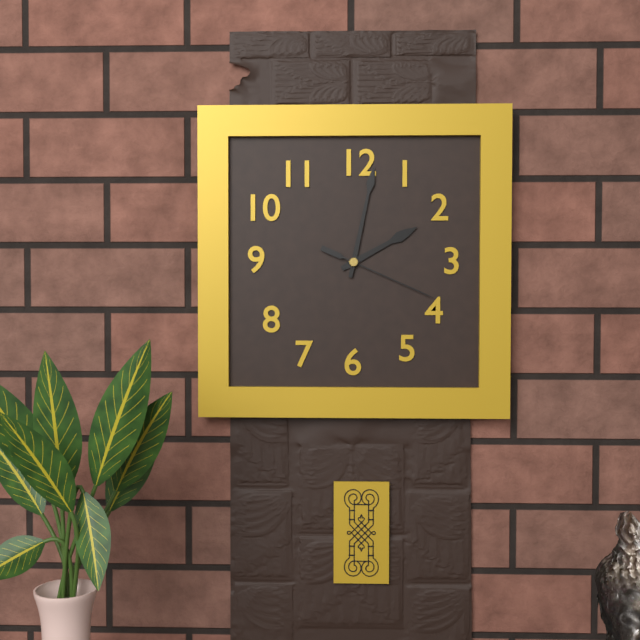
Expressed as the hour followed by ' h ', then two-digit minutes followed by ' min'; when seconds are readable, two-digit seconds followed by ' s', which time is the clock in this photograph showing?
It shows 2 h 02 min 19 s
